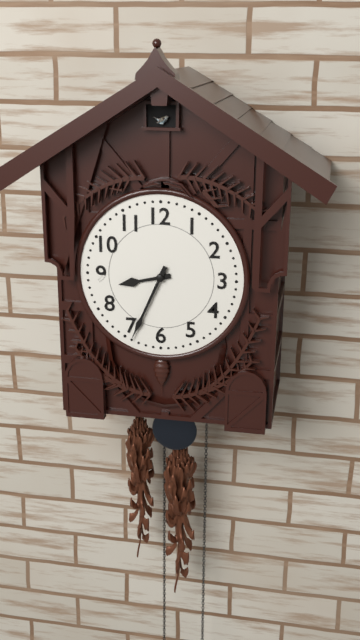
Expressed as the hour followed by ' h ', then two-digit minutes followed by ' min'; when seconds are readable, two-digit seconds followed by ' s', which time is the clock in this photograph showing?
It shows 8 h 34 min
